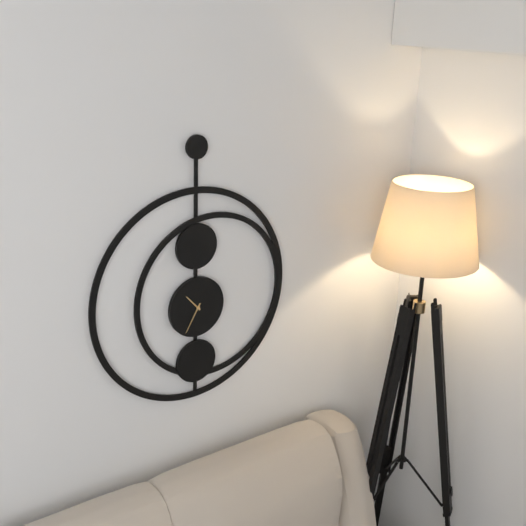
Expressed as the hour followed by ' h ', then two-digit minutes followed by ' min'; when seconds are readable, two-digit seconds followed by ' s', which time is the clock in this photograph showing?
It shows 10 h 35 min
